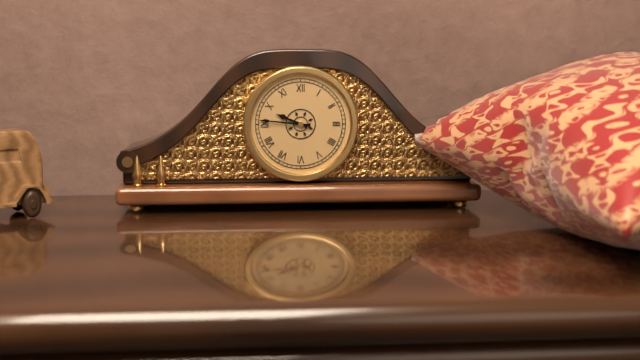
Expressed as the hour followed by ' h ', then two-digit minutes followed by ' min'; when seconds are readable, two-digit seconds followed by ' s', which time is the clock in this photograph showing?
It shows 9 h 46 min
